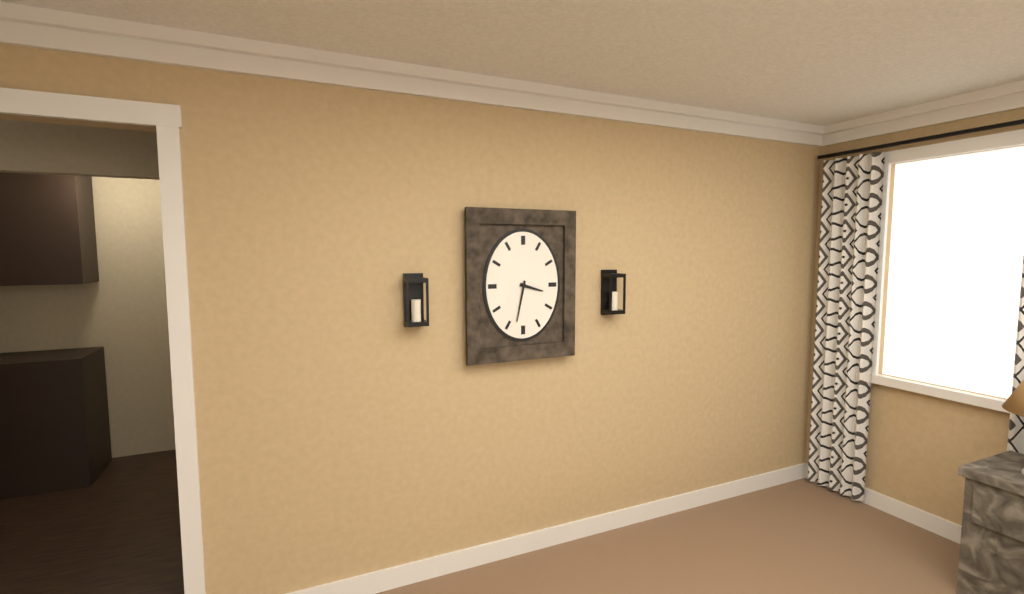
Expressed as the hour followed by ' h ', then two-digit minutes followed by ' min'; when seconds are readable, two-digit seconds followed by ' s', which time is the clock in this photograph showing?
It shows 3 h 32 min
